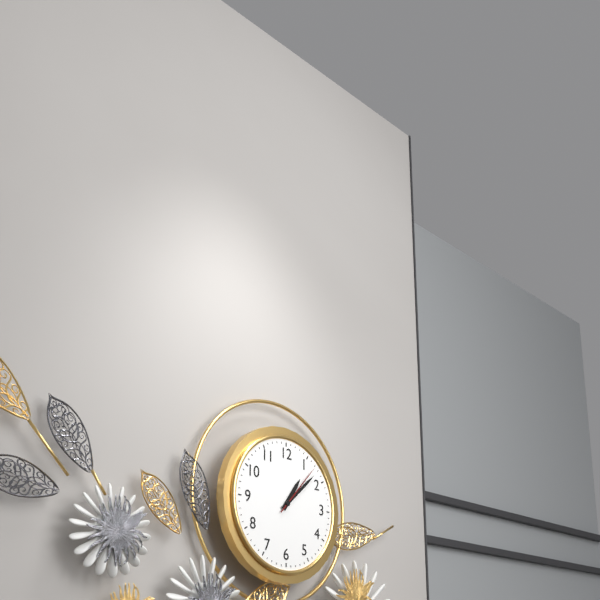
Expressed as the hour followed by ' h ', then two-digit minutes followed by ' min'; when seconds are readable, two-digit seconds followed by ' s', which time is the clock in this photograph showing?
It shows 1 h 08 min 07 s
